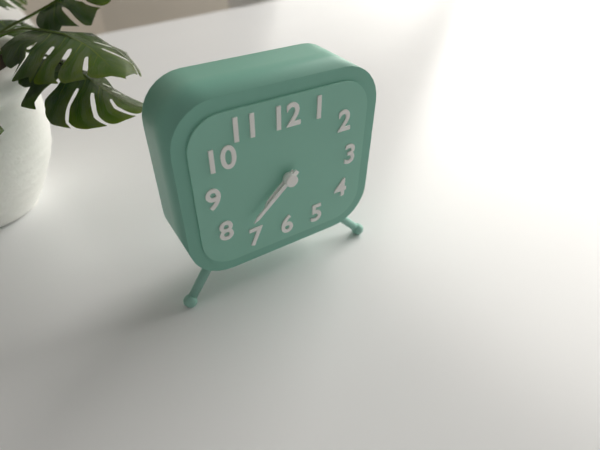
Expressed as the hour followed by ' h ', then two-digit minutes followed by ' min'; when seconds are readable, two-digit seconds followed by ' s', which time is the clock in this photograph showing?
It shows 7 h 38 min
